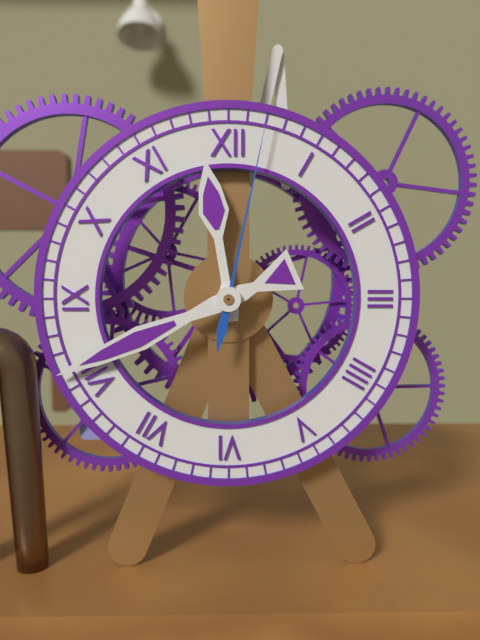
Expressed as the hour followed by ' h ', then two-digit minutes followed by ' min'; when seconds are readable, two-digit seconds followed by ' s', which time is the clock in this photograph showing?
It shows 11 h 41 min 02 s
